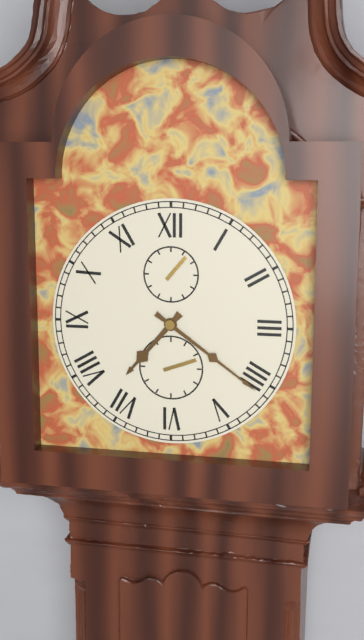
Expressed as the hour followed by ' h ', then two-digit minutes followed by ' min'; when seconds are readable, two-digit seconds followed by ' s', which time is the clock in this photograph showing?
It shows 7 h 21 min
